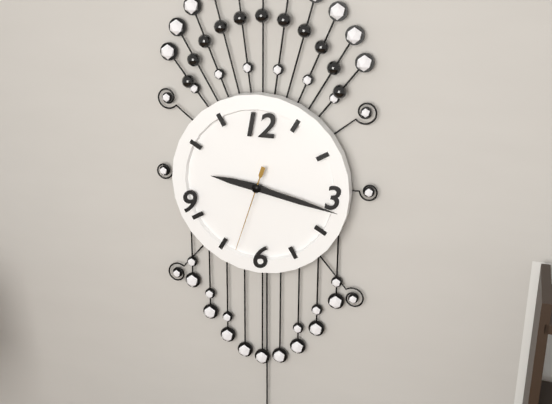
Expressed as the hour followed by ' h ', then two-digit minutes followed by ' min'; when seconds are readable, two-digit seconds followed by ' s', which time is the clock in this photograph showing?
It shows 9 h 17 min 33 s
